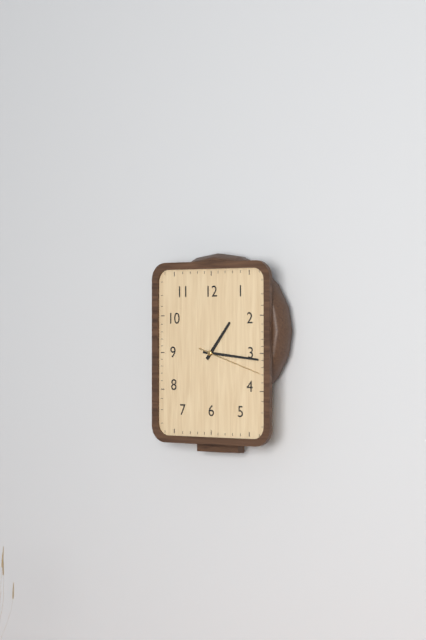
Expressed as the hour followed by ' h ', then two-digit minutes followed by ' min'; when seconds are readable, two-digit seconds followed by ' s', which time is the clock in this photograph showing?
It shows 1 h 16 min 18 s
